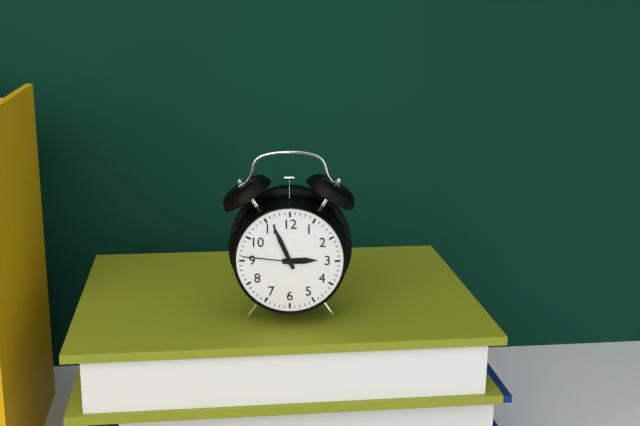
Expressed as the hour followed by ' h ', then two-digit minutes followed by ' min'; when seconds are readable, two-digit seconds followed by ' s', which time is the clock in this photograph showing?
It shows 2 h 56 min 46 s
